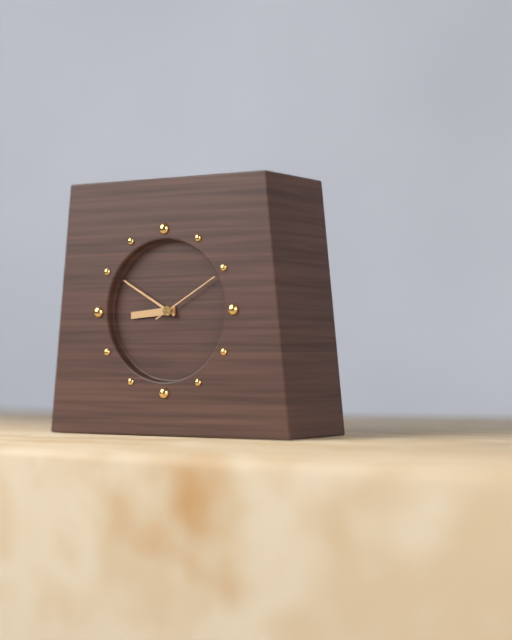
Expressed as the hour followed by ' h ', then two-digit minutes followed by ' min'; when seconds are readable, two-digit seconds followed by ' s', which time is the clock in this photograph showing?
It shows 8 h 50 min 10 s
